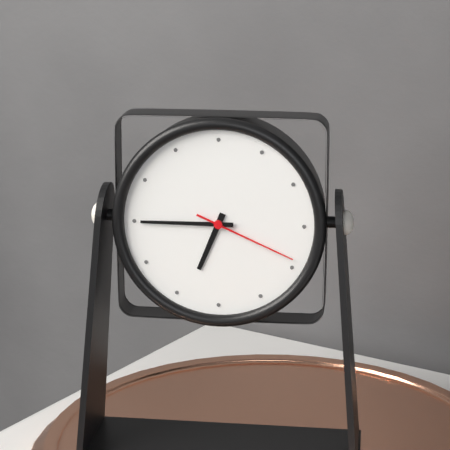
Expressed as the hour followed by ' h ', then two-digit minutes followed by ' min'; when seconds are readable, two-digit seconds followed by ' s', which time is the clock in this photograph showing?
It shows 6 h 45 min 19 s
